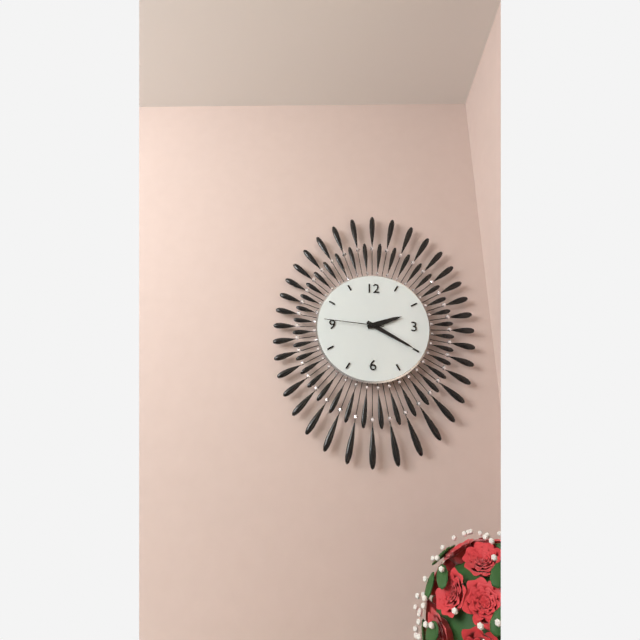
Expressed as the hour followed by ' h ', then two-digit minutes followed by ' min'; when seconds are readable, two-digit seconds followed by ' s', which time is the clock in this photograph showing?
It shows 2 h 20 min 46 s
